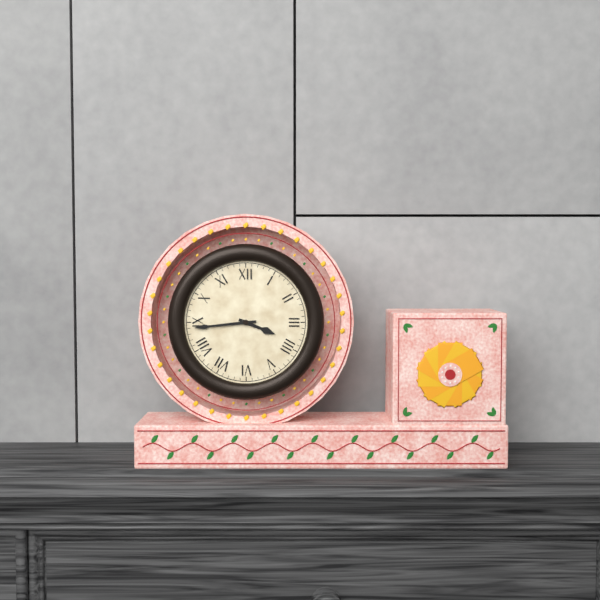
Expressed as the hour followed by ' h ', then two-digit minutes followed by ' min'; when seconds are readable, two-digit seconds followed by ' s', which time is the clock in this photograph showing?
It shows 3 h 44 min
